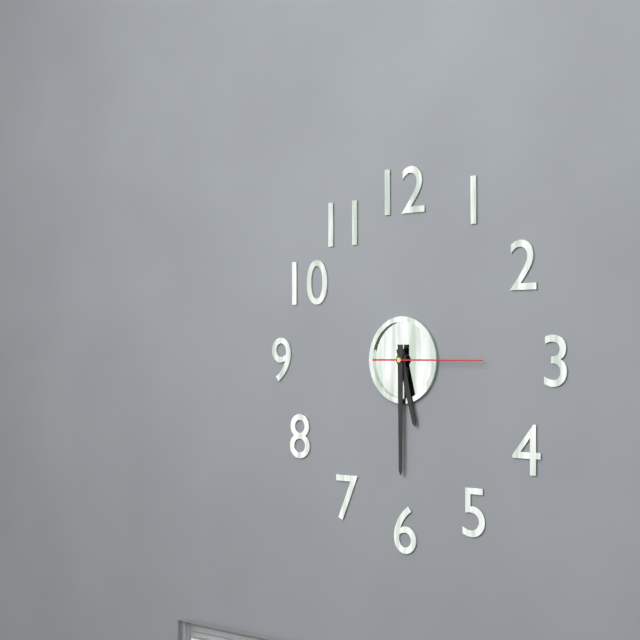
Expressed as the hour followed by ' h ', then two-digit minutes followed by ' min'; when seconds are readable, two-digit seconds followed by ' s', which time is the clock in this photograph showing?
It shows 5 h 30 min 15 s
